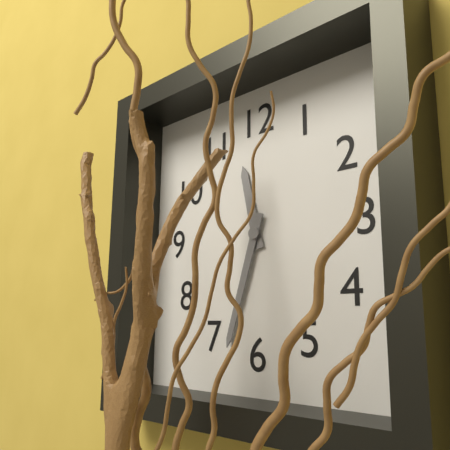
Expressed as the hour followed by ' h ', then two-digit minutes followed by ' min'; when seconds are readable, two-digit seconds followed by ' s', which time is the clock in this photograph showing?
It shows 11 h 33 min
